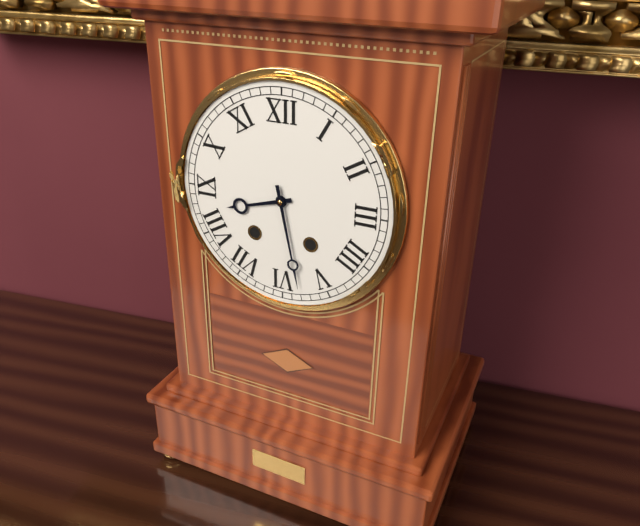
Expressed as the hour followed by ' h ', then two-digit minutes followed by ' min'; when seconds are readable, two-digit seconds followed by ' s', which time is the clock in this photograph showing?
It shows 8 h 28 min
